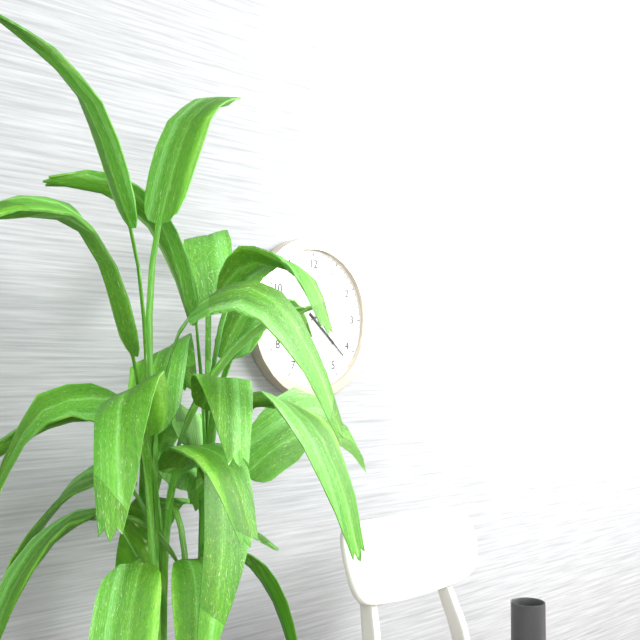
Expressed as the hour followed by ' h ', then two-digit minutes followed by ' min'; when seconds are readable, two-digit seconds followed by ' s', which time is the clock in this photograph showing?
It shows 4 h 22 min 08 s
